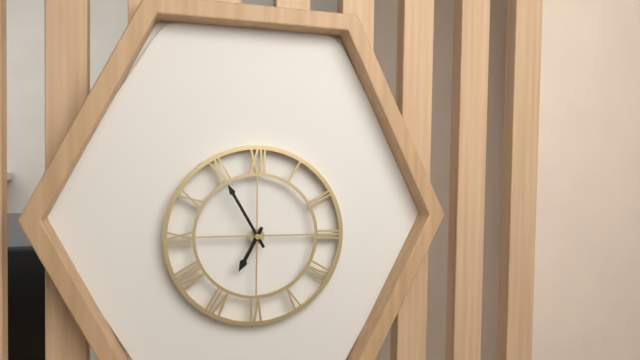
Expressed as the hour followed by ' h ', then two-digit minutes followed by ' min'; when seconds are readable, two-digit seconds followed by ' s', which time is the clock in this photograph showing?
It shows 6 h 55 min
